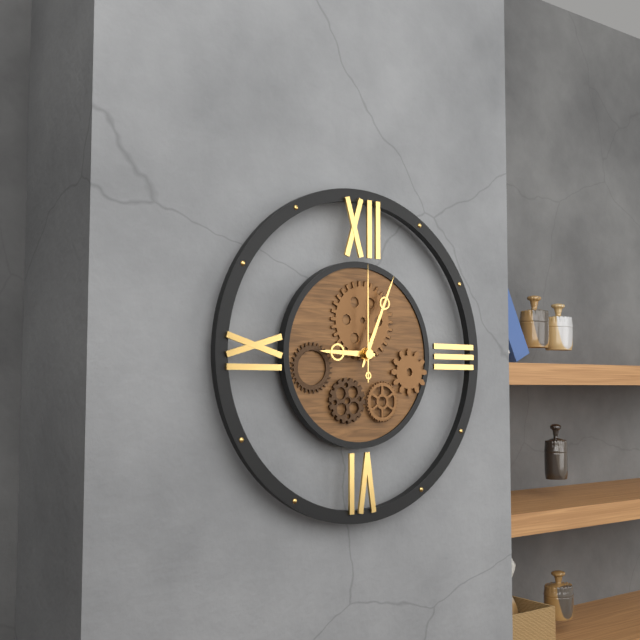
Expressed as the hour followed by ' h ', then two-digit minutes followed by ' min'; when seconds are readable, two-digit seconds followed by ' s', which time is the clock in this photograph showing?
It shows 9 h 04 min 00 s
